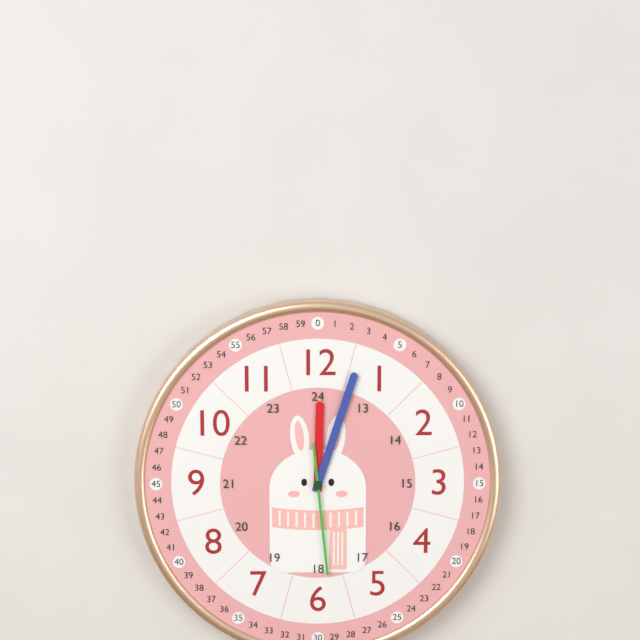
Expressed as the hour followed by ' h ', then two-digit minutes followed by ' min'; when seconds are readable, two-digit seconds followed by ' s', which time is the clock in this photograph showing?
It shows 12 h 03 min 29 s
